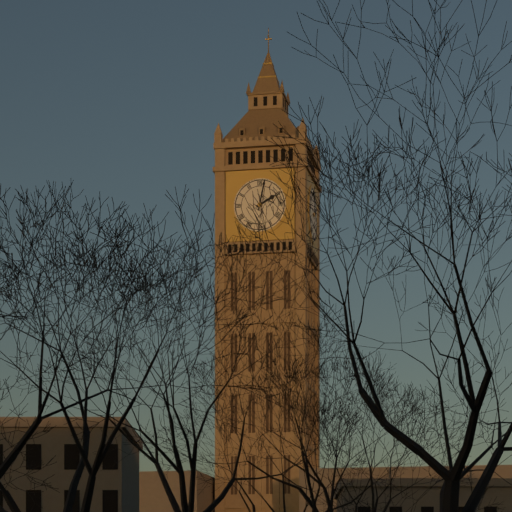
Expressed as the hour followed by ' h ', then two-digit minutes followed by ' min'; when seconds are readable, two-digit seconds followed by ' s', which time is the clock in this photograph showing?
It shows 2 h 02 min
